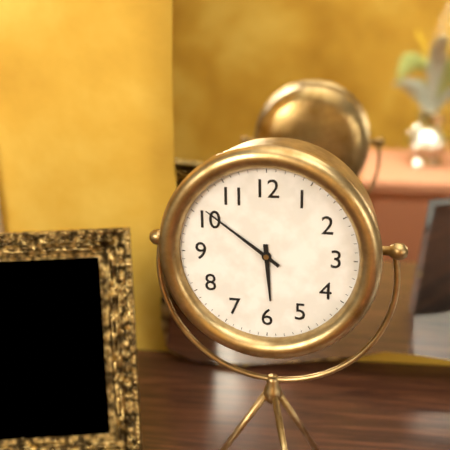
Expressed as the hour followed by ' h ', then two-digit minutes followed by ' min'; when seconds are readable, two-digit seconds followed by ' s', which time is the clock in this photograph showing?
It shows 5 h 51 min
